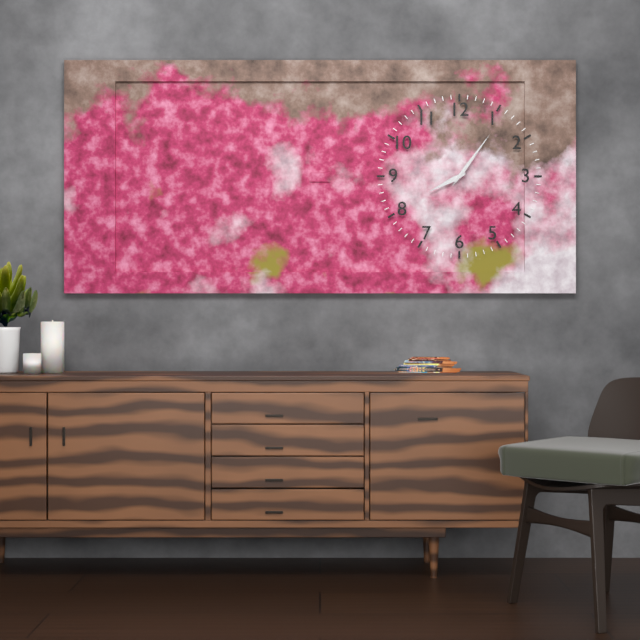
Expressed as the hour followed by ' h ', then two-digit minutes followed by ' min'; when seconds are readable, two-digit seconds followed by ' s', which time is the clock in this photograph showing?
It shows 8 h 06 min 06 s
